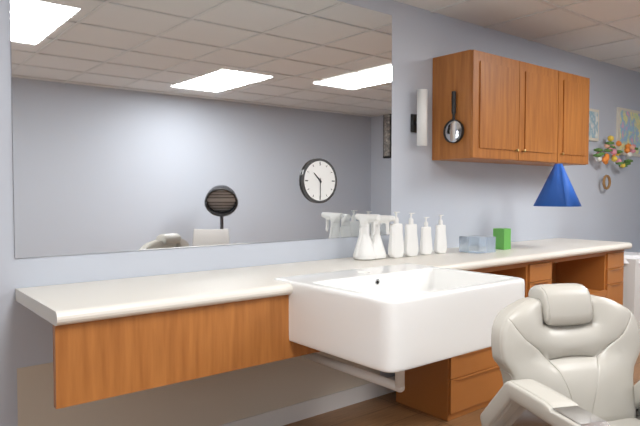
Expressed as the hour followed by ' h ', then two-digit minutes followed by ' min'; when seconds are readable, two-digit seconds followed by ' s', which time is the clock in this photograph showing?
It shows 10 h 30 min
